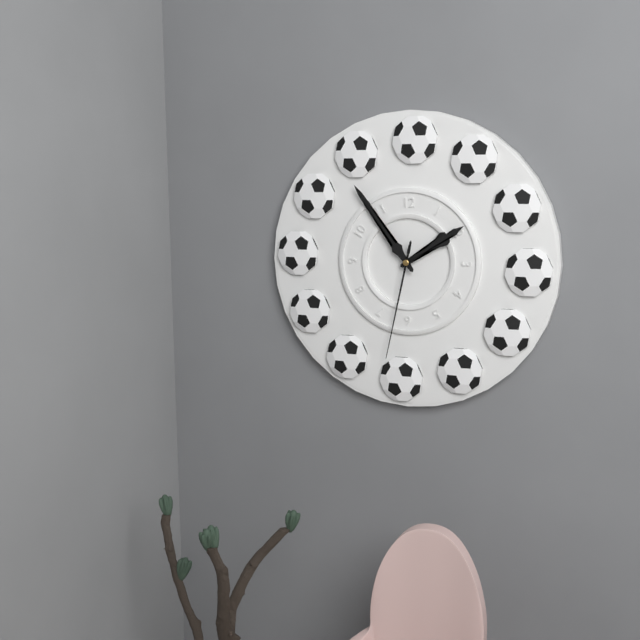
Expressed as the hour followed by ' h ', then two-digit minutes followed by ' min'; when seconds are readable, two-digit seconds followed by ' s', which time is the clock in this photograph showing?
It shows 1 h 54 min 32 s
